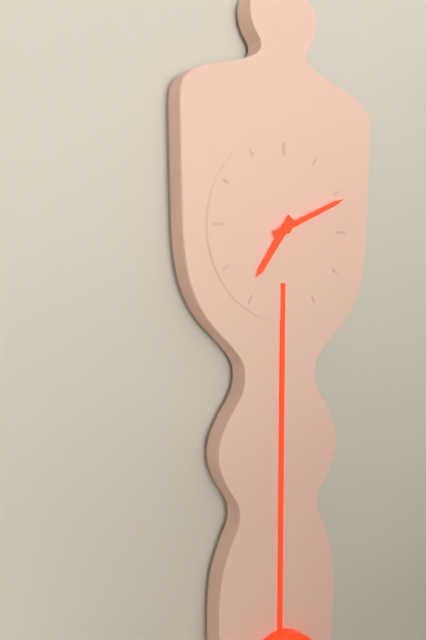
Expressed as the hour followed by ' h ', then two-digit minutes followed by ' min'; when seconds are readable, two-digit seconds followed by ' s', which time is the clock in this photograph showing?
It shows 7 h 11 min
